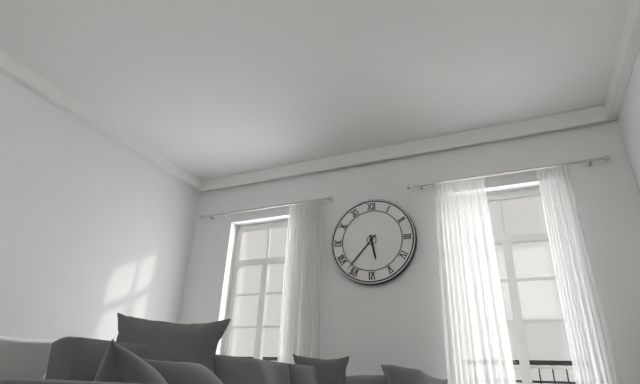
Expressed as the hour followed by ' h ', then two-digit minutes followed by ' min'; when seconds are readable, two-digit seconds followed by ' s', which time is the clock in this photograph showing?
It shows 5 h 37 min
